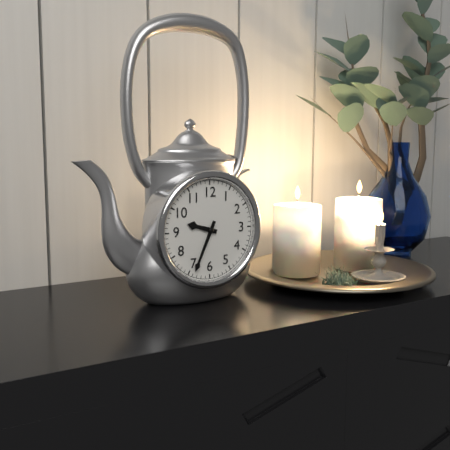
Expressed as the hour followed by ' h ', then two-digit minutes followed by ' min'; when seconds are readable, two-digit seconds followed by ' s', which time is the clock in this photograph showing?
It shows 9 h 34 min
